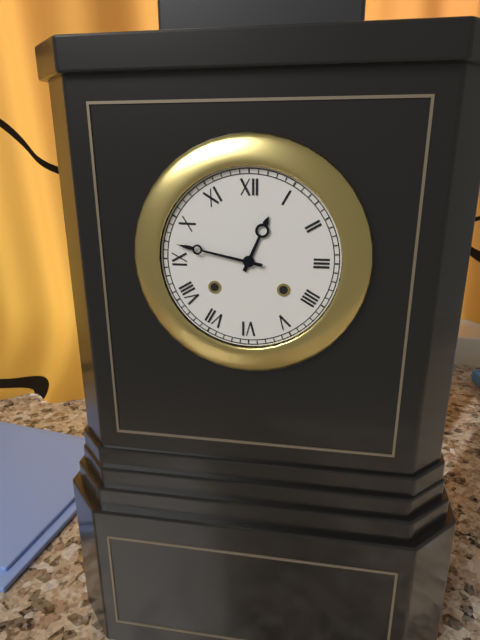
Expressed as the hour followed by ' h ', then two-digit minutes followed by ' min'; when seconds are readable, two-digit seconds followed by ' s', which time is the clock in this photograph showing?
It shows 12 h 47 min
